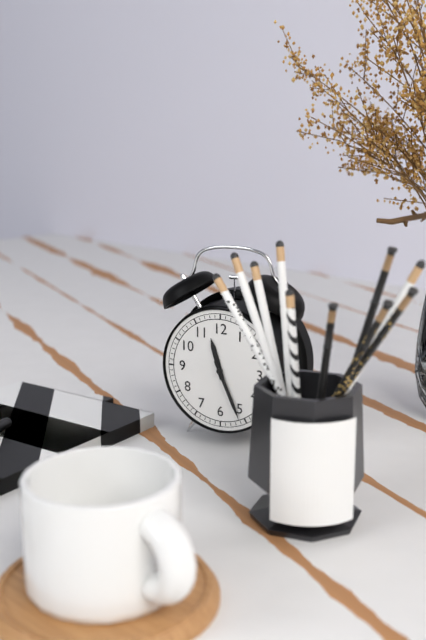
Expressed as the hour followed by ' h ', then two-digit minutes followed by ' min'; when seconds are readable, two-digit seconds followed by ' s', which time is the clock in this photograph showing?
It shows 11 h 26 min
